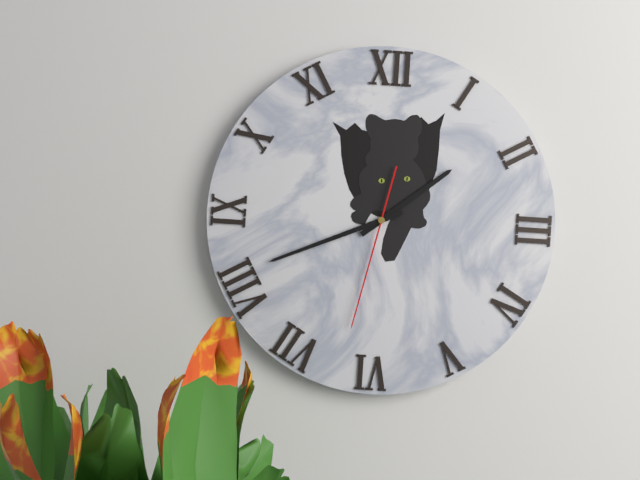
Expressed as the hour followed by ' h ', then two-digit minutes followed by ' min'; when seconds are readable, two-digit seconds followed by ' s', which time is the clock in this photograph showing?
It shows 1 h 41 min 32 s
